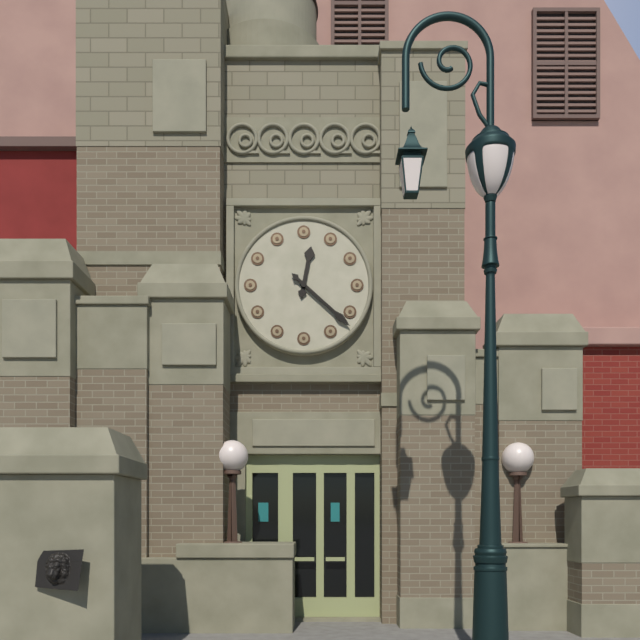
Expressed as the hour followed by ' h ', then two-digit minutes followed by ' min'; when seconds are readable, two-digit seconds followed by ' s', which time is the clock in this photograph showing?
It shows 12 h 22 min
